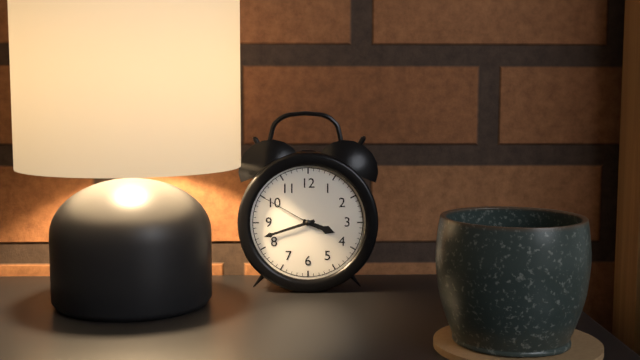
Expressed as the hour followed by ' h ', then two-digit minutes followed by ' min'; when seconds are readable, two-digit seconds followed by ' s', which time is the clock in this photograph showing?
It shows 3 h 42 min 50 s
